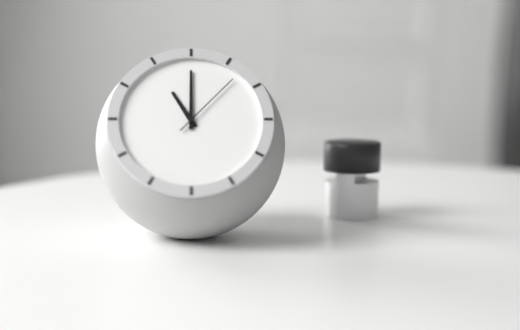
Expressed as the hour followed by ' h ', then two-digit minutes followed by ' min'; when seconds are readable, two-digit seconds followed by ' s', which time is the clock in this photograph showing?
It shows 11 h 00 min 07 s
